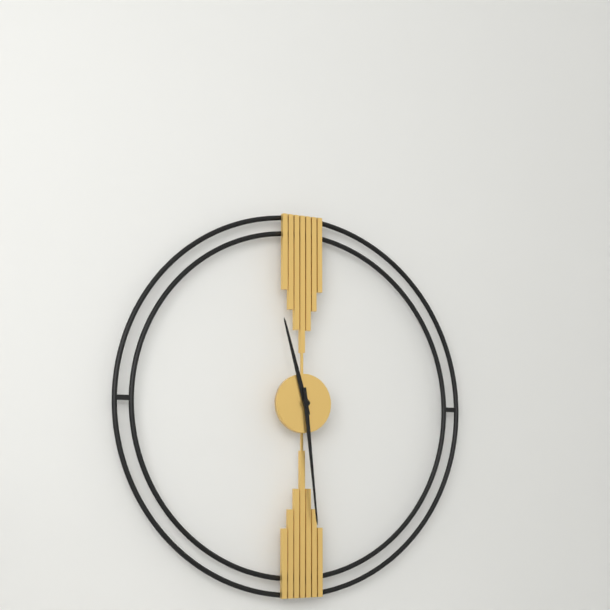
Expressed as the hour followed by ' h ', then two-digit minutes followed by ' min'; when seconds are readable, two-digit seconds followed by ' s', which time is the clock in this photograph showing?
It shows 11 h 29 min
